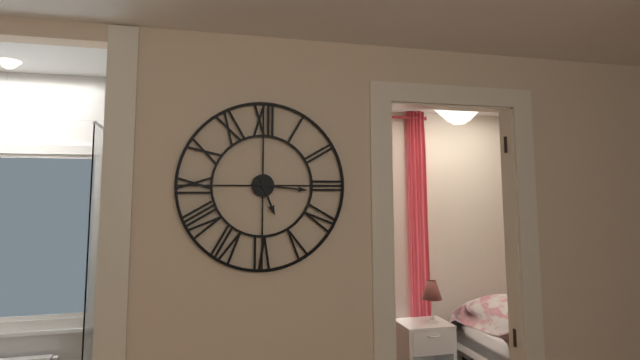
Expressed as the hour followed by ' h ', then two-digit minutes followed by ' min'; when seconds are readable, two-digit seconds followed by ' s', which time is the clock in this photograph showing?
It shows 5 h 16 min
